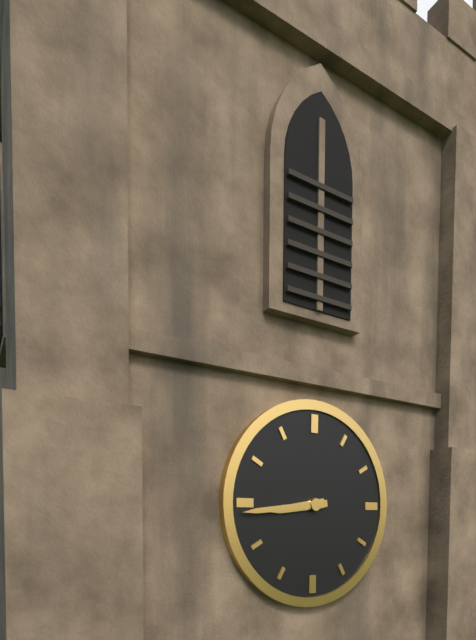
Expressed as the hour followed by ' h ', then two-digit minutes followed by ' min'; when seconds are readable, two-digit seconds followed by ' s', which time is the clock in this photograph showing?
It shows 8 h 44 min
